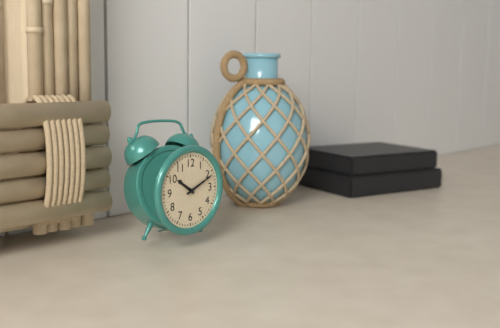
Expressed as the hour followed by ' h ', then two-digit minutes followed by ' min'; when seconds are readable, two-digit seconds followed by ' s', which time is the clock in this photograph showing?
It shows 10 h 11 min
